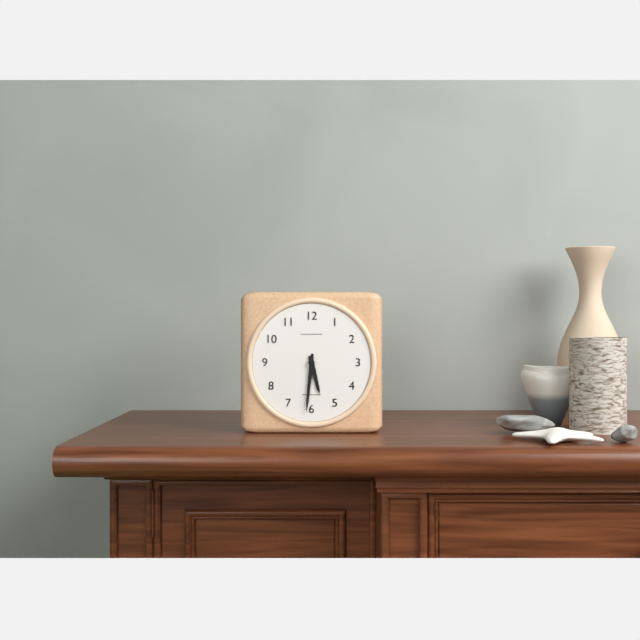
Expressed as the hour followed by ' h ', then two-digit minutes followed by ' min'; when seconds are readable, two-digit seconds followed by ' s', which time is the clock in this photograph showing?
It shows 5 h 31 min
